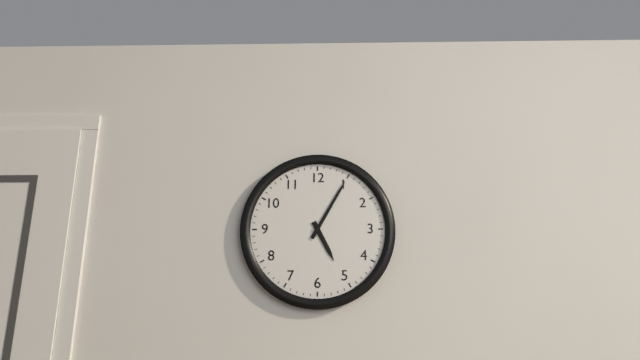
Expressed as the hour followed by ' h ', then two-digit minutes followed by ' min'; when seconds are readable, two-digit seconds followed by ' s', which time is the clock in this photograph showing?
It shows 5 h 05 min
